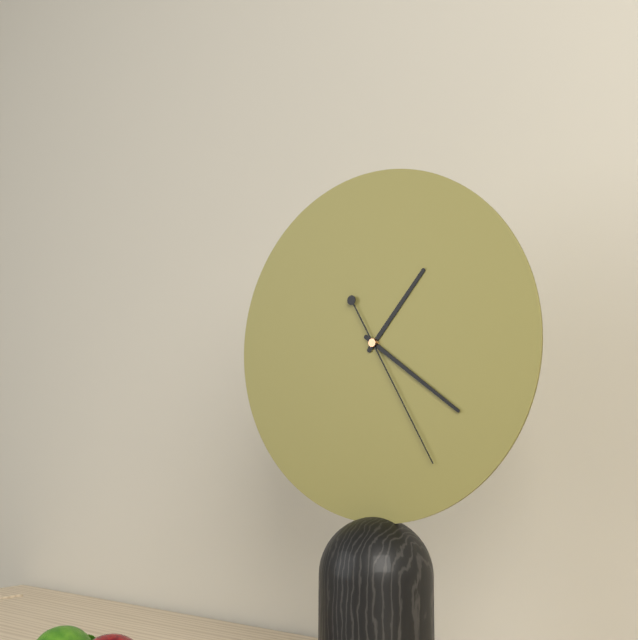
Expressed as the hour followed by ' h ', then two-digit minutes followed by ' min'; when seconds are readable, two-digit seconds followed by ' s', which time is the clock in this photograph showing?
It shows 1 h 21 min 25 s
